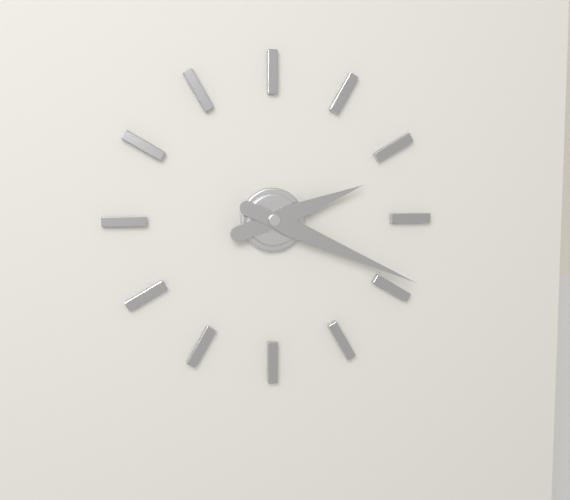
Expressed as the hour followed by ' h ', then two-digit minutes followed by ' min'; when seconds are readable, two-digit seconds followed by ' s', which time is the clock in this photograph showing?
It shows 2 h 19 min
